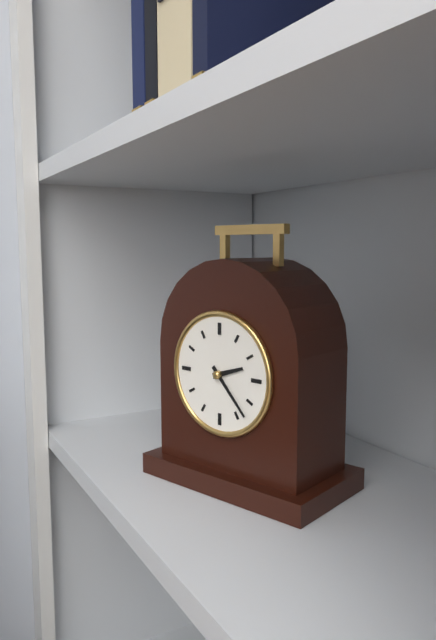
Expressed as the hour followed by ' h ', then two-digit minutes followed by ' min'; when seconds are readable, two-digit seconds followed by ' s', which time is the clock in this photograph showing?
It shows 2 h 23 min
